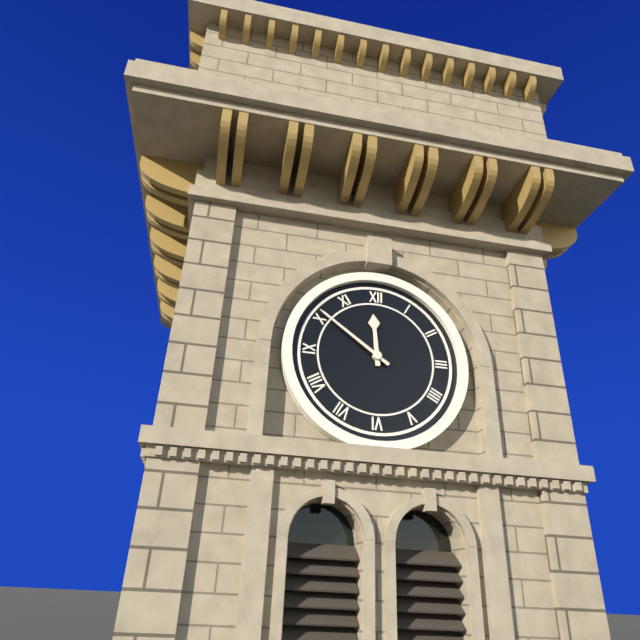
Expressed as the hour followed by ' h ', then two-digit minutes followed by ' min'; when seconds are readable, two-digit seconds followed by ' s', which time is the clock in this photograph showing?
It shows 11 h 51 min
